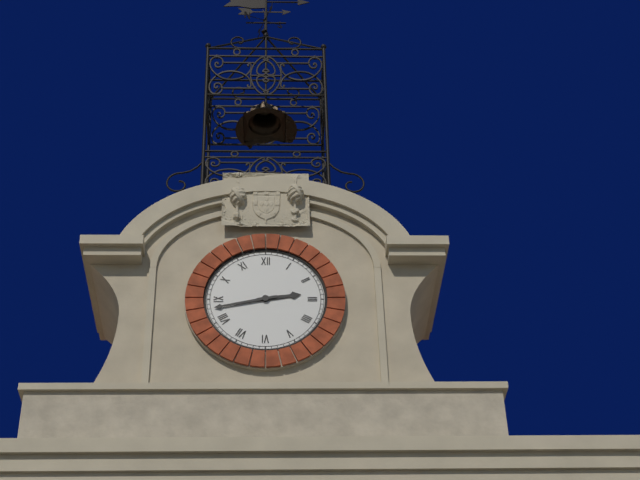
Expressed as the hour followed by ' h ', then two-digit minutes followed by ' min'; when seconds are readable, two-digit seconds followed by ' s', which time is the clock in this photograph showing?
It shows 2 h 43 min
